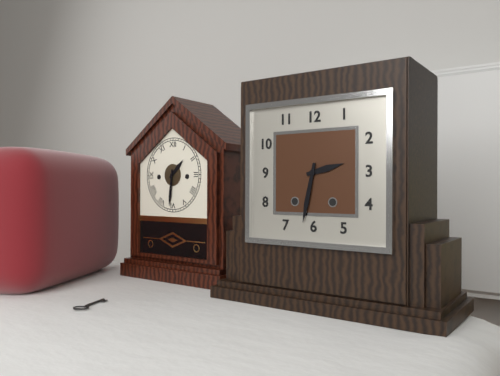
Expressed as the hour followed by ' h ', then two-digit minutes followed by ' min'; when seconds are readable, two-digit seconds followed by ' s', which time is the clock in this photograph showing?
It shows 2 h 32 min
